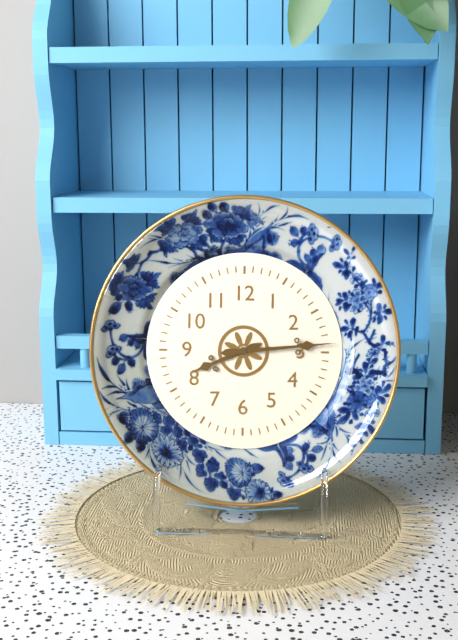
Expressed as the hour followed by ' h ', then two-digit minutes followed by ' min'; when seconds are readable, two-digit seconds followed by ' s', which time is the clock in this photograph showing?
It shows 8 h 14 min
